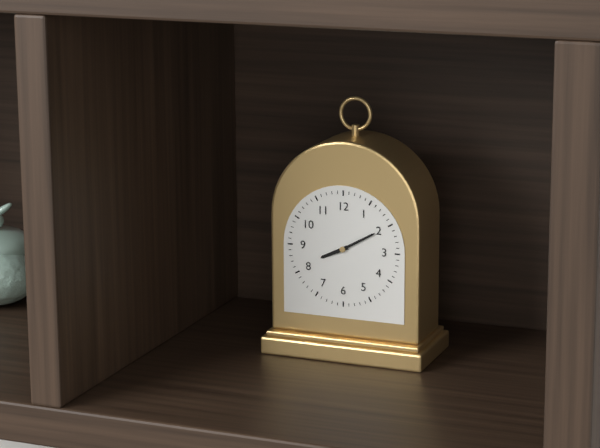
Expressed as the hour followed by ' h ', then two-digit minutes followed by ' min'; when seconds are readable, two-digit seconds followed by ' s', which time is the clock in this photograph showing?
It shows 8 h 10 min
